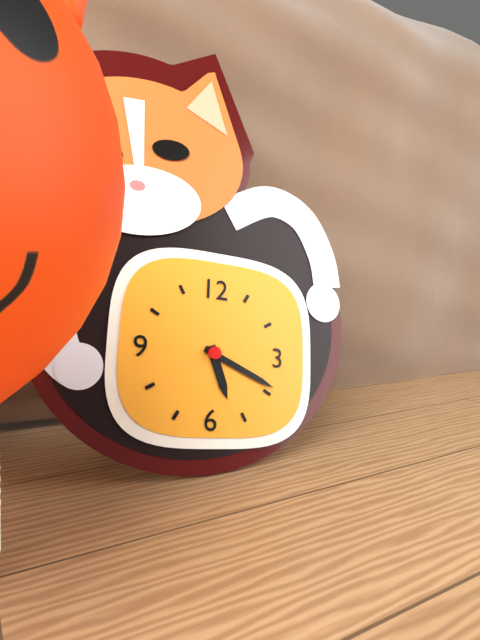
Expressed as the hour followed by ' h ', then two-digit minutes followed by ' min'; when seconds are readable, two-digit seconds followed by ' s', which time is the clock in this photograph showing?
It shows 5 h 19 min
